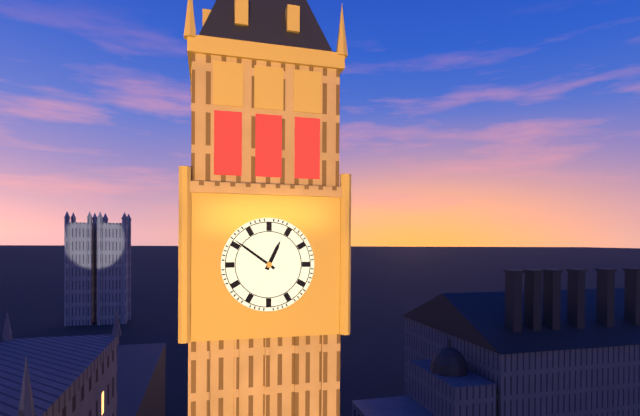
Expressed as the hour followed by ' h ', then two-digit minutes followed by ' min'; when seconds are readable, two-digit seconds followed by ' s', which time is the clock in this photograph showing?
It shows 12 h 51 min
